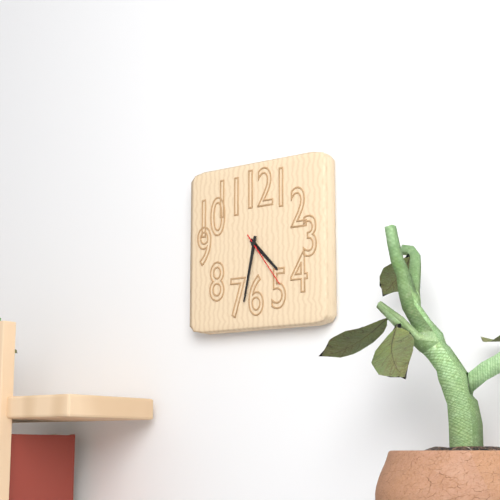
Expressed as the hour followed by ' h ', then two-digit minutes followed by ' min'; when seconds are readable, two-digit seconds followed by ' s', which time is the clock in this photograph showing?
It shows 4 h 32 min 24 s
